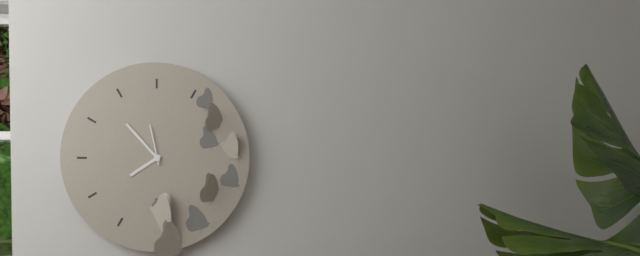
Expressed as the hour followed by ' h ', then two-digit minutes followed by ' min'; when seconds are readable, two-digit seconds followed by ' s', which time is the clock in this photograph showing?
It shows 7 h 53 min
